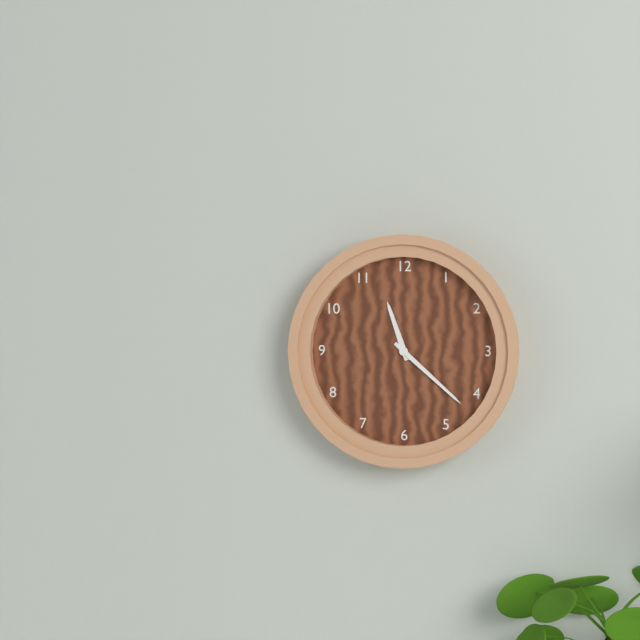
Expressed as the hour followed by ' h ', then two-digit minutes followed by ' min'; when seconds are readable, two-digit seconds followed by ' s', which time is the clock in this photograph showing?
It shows 11 h 22 min
